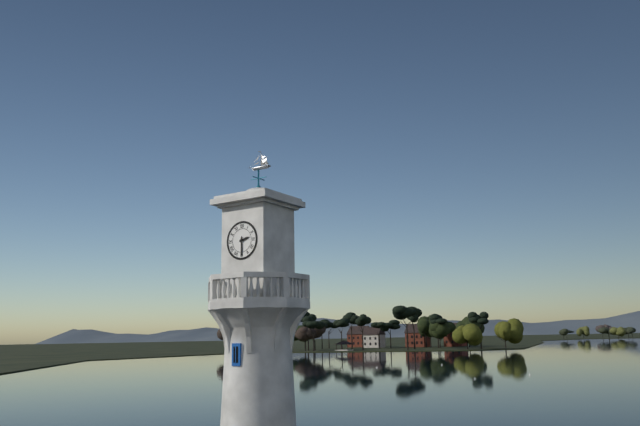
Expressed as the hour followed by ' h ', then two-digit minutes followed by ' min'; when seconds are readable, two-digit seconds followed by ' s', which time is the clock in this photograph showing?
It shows 2 h 30 min
